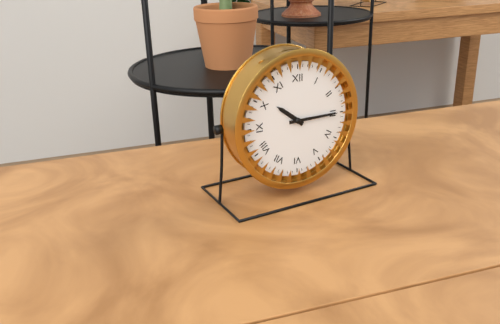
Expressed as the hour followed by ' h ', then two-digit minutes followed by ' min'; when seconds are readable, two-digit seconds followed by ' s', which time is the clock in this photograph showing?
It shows 10 h 15 min
